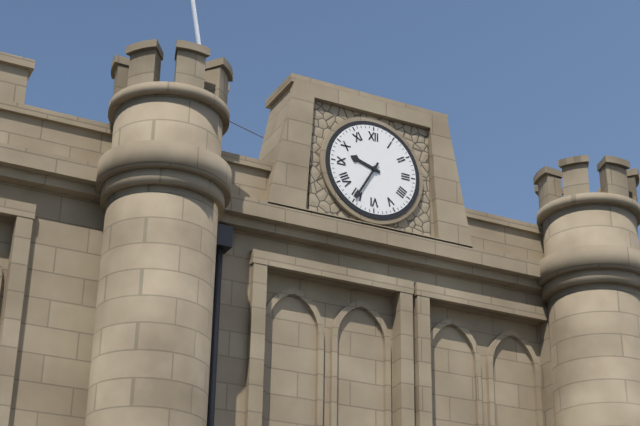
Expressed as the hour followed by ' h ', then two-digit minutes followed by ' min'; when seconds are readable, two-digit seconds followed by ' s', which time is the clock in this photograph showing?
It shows 9 h 35 min
